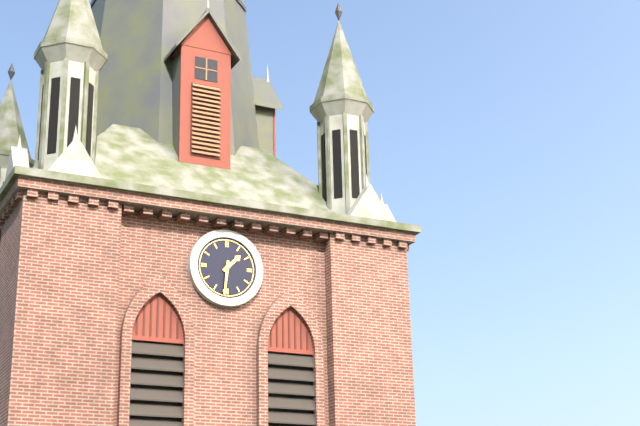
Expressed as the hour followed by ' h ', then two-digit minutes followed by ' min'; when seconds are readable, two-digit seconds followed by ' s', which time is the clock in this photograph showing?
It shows 1 h 31 min
